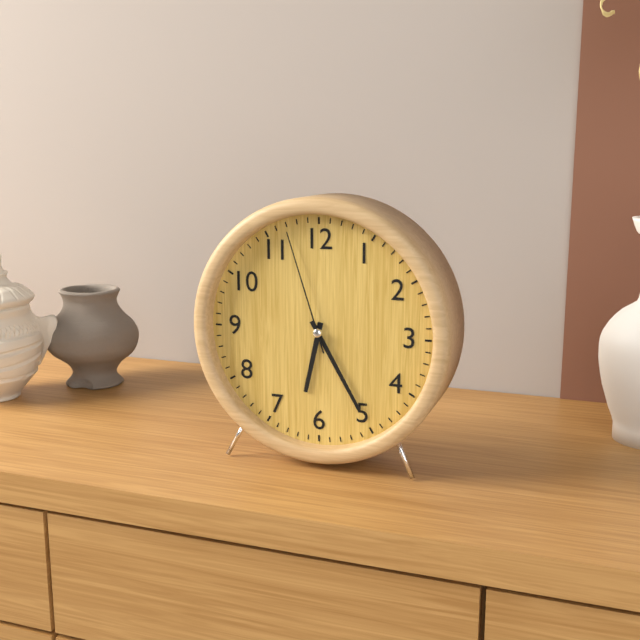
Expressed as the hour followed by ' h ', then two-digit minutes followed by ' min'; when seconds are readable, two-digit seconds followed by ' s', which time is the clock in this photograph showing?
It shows 6 h 25 min 57 s
